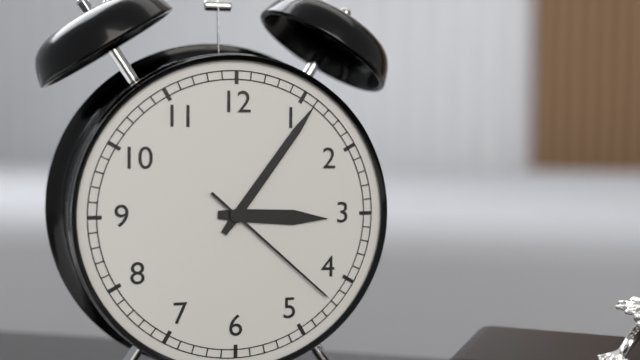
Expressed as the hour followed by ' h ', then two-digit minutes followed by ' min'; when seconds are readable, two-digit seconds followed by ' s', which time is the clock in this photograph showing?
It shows 3 h 06 min 22 s
